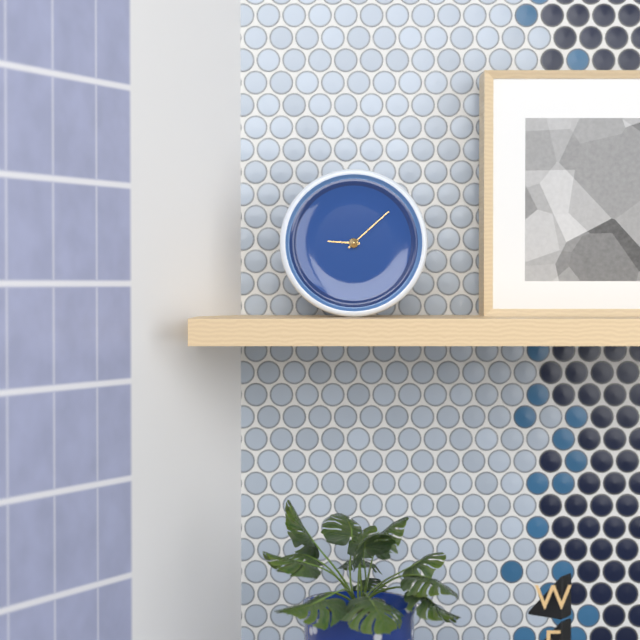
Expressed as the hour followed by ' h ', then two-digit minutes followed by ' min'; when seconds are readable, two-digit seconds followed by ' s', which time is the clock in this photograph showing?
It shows 9 h 08 min
